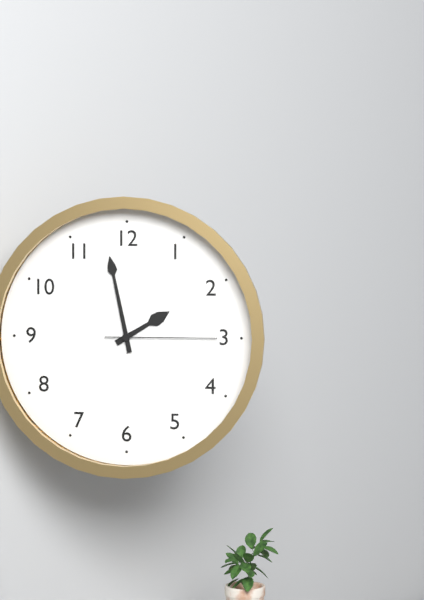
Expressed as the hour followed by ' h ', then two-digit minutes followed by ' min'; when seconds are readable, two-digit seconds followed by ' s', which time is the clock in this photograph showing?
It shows 1 h 58 min 15 s
